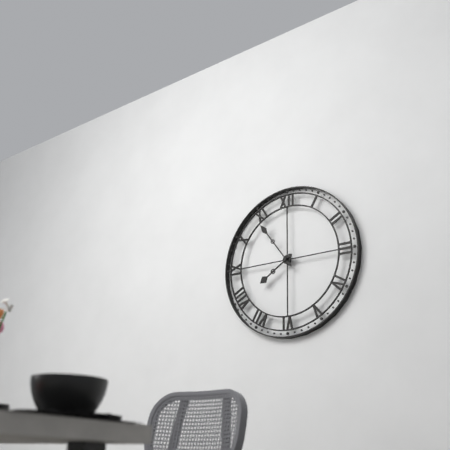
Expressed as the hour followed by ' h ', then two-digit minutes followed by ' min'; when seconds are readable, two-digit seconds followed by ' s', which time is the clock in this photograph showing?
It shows 7 h 54 min
